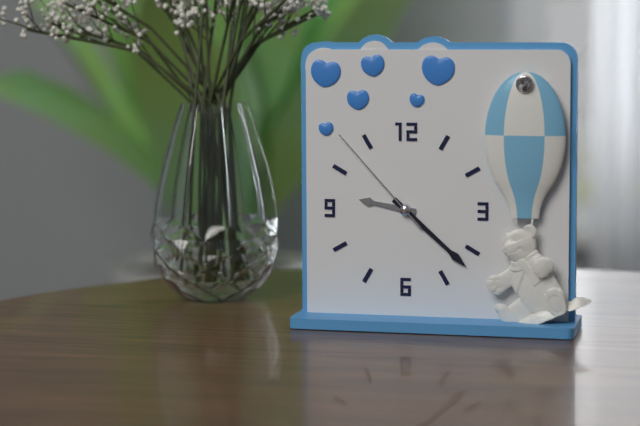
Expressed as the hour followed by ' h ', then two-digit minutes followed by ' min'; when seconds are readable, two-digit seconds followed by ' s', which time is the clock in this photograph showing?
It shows 9 h 22 min 53 s
